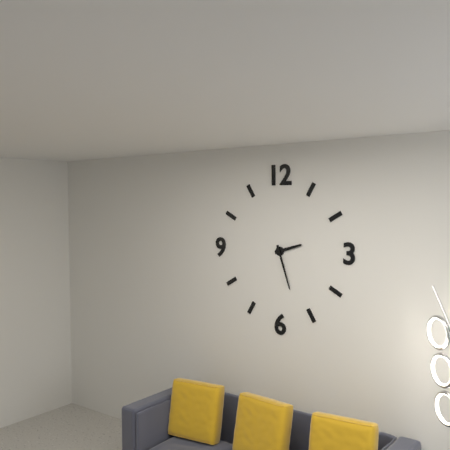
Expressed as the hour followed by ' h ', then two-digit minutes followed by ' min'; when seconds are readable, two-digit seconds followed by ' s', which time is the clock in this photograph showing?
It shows 2 h 27 min
